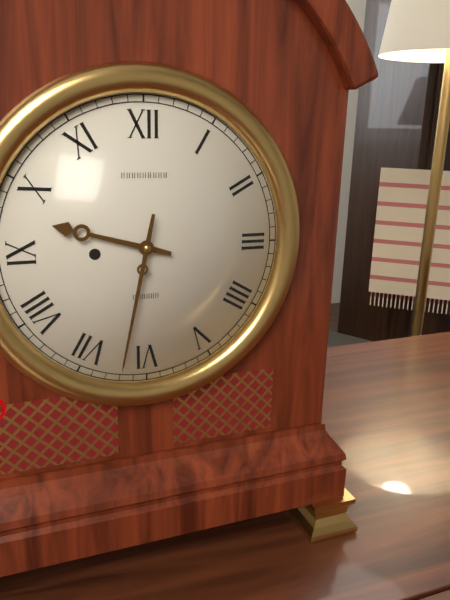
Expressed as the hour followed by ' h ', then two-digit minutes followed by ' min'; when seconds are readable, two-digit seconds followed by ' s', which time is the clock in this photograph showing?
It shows 9 h 32 min
